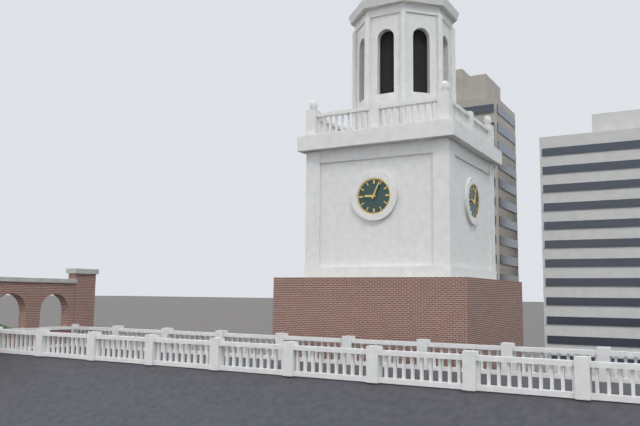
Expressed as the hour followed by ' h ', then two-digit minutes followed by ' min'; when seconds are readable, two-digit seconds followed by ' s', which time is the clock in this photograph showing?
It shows 9 h 04 min
